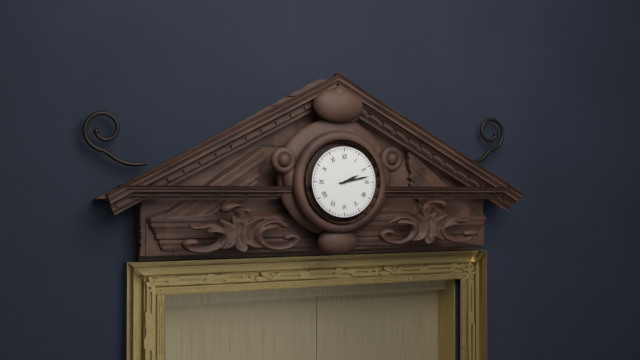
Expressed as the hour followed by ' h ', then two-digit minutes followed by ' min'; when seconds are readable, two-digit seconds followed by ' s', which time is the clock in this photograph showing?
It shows 2 h 13 min
